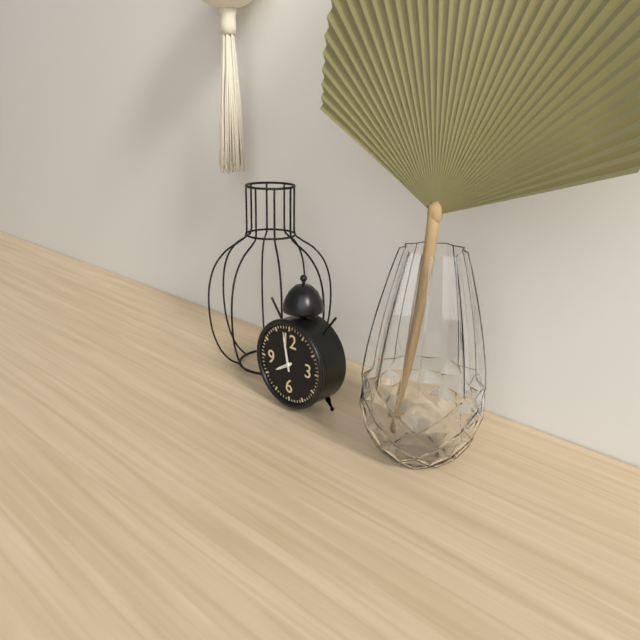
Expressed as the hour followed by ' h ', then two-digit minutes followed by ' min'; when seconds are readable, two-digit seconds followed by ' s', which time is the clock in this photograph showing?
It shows 7 h 58 min
